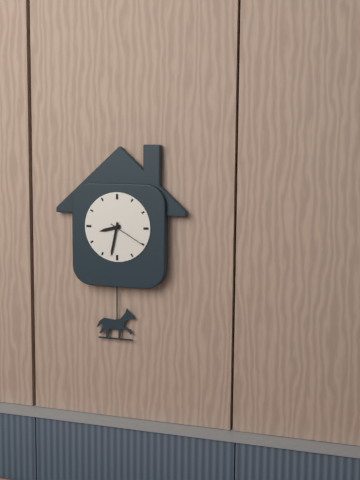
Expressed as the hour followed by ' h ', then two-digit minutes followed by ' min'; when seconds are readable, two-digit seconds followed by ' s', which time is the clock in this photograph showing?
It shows 8 h 32 min
